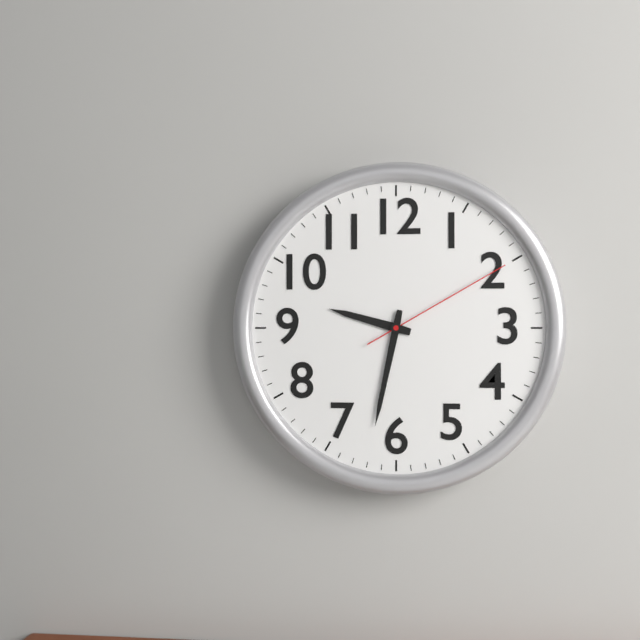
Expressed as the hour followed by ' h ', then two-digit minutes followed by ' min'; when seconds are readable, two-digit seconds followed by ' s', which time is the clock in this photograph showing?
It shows 9 h 32 min 10 s
